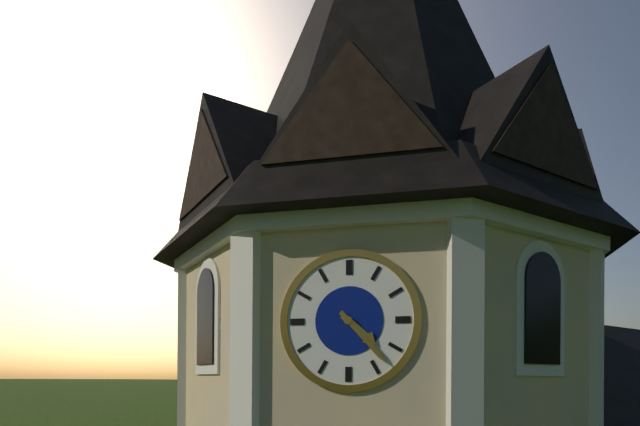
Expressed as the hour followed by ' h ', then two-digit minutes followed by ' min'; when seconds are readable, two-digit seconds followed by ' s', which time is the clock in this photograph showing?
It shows 4 h 23 min
